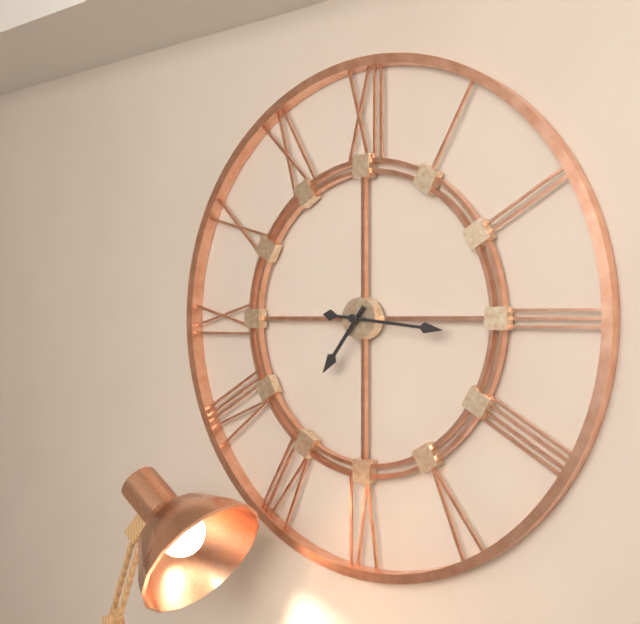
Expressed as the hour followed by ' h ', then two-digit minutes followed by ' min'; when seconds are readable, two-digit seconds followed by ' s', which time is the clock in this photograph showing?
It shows 7 h 16 min
